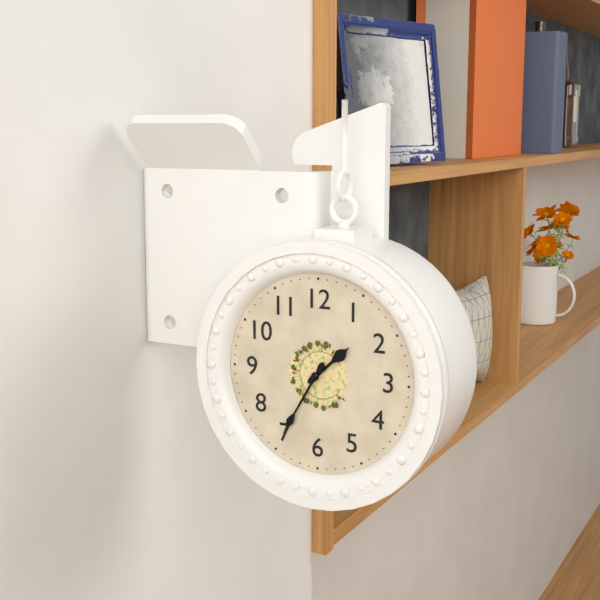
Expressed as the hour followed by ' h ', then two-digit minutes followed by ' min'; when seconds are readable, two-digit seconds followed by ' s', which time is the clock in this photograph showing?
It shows 1 h 35 min
